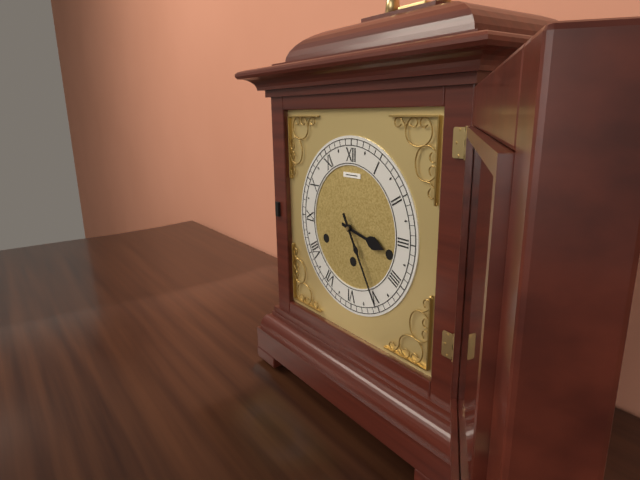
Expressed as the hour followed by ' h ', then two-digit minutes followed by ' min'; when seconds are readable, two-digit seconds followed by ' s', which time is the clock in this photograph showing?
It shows 3 h 25 min
